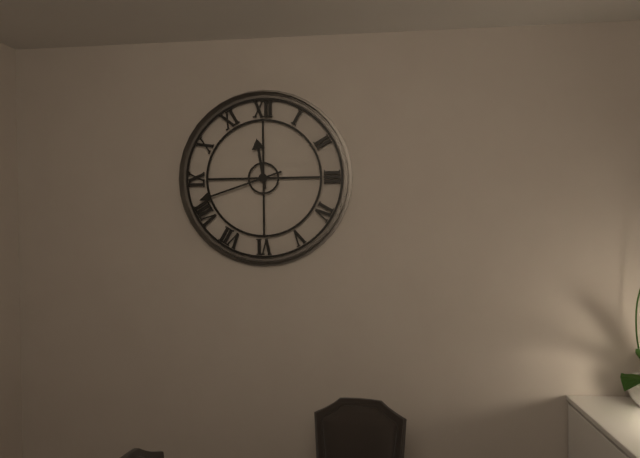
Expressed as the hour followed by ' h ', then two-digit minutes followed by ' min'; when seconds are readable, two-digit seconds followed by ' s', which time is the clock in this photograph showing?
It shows 11 h 42 min
